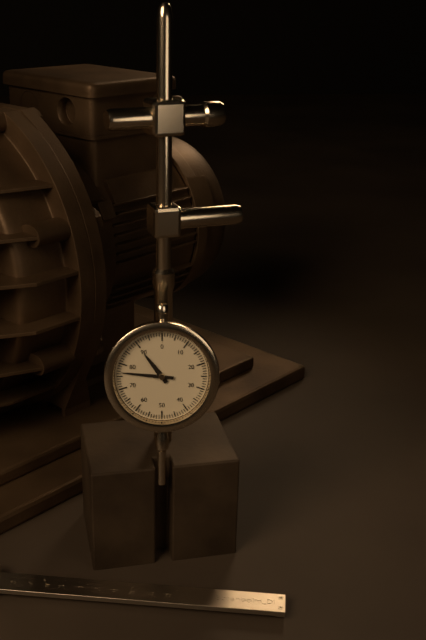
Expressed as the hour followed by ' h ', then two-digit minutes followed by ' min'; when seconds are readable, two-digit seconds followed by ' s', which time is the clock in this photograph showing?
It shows 10 h 46 min
